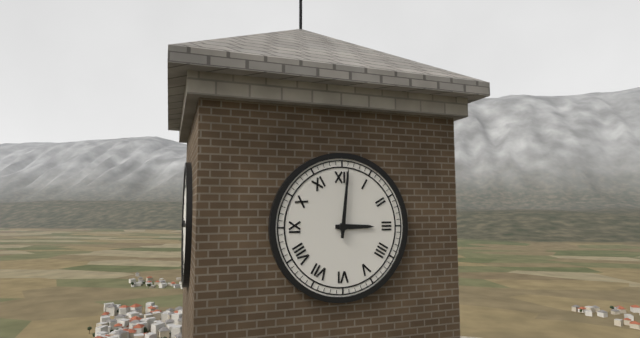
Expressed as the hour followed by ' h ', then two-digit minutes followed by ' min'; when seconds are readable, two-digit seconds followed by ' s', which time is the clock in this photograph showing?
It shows 3 h 01 min
